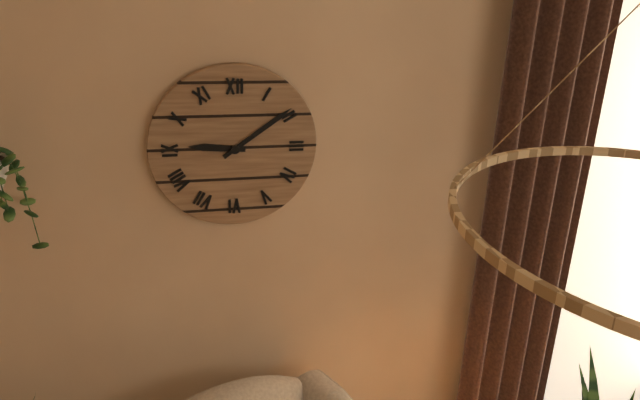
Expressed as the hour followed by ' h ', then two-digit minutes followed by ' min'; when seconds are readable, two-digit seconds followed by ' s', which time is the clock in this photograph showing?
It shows 9 h 09 min
